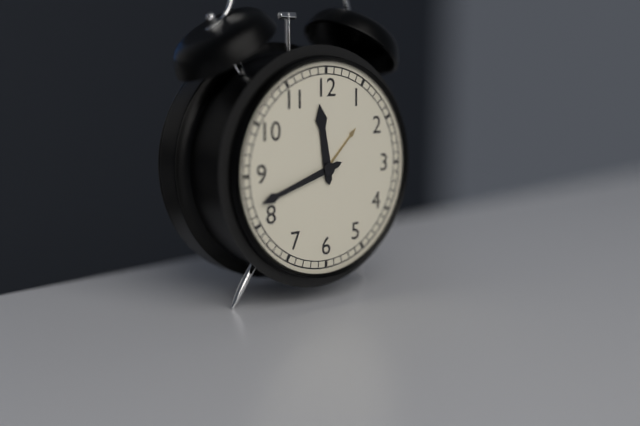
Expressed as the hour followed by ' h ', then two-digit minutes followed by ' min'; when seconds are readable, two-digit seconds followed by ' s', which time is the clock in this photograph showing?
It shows 11 h 42 min
